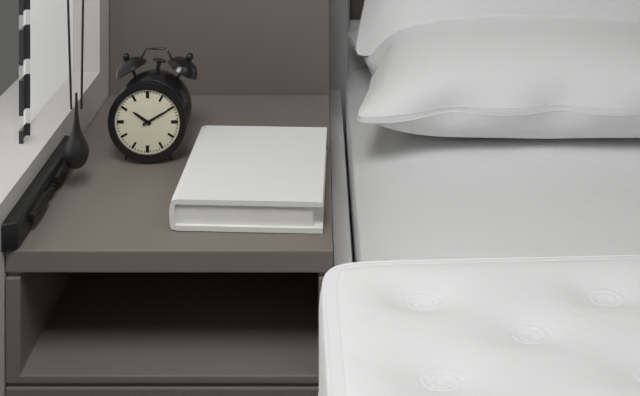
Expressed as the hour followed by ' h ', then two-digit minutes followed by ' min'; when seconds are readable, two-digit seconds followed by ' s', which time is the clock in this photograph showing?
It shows 10 h 10 min
